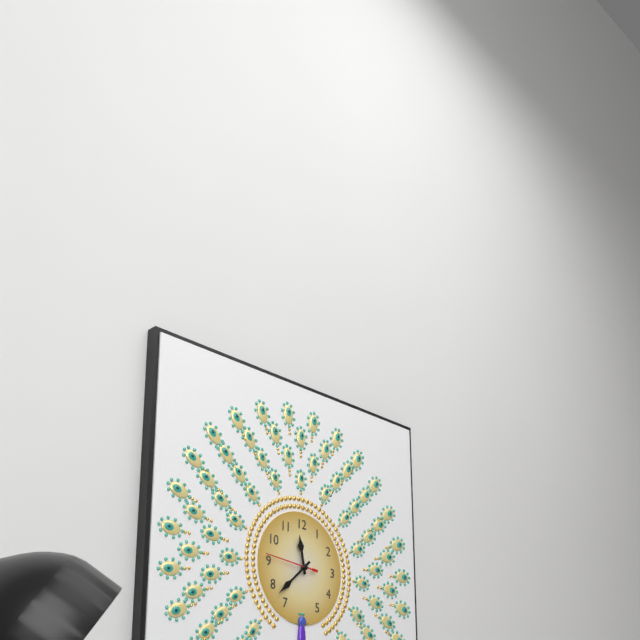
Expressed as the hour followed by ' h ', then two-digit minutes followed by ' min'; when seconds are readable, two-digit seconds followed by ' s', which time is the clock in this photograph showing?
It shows 11 h 38 min 46 s
